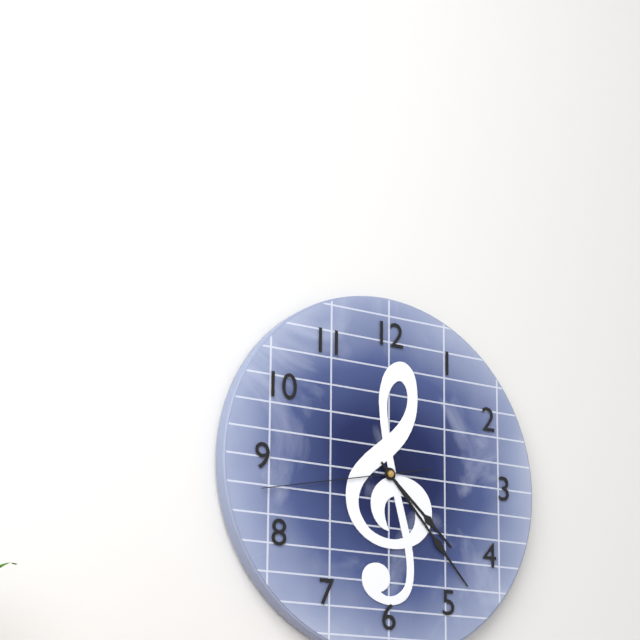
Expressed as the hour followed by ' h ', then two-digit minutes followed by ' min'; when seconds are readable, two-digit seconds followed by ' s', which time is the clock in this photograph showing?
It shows 4 h 23 min 43 s
